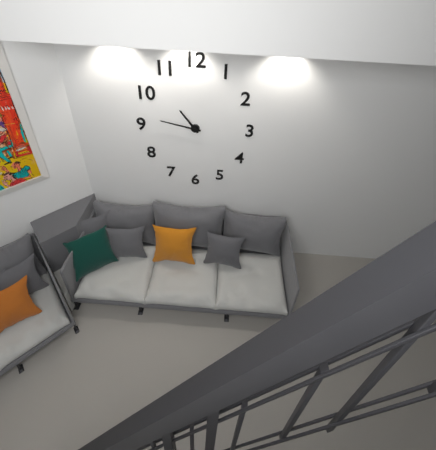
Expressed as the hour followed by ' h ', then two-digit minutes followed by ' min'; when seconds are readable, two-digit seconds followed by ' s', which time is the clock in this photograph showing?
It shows 10 h 47 min
